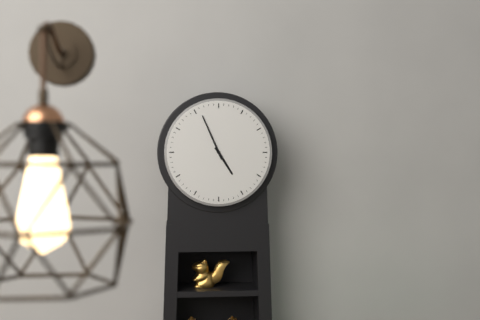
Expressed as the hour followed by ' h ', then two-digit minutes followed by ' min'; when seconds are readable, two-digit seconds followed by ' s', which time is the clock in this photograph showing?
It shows 4 h 56 min
